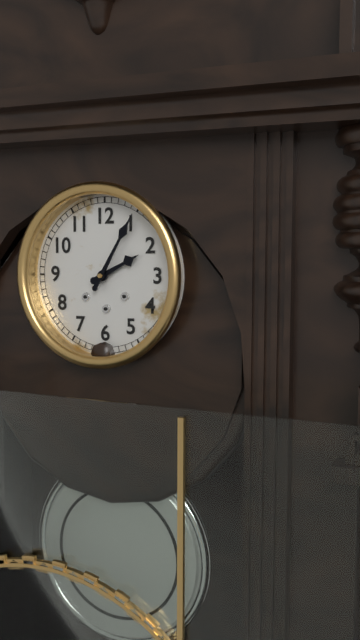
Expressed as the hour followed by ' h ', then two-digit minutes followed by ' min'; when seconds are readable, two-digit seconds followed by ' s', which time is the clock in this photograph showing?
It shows 2 h 05 min
